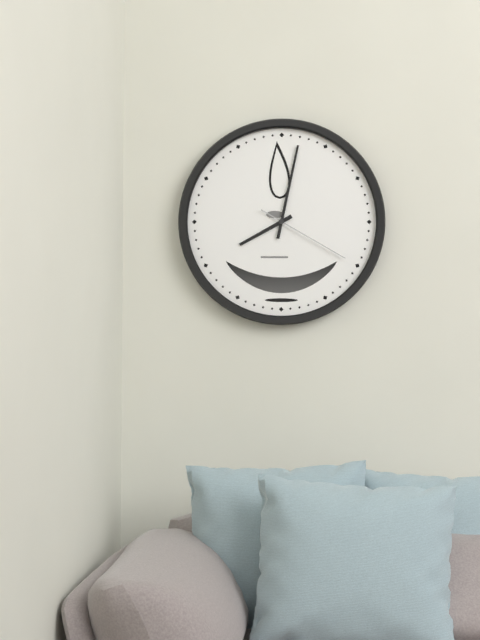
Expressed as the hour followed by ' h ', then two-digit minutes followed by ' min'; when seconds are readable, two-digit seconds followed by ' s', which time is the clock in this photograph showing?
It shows 8 h 02 min 20 s
